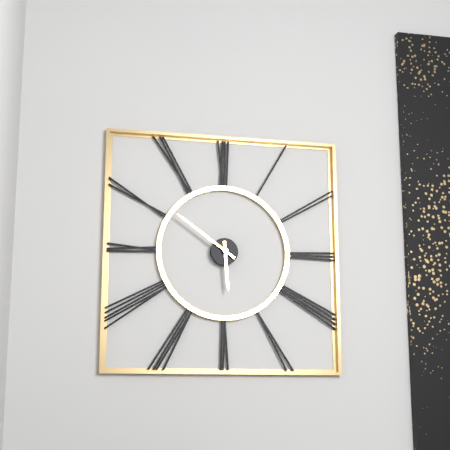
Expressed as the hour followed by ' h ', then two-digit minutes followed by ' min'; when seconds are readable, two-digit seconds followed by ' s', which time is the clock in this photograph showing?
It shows 5 h 51 min
